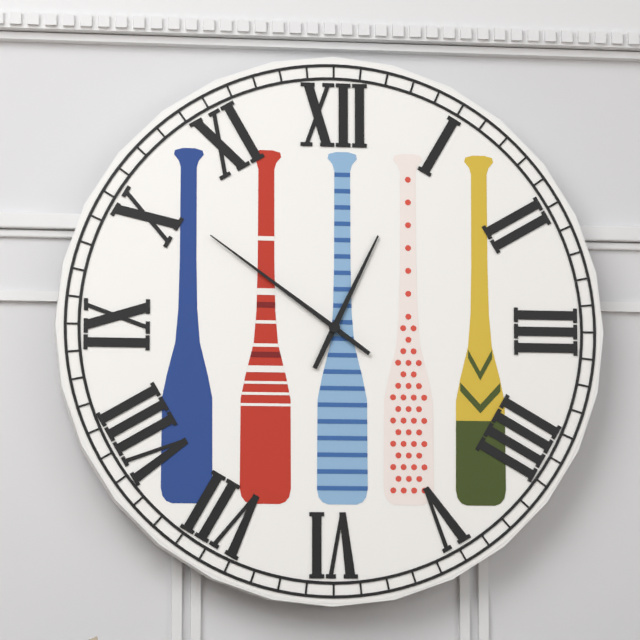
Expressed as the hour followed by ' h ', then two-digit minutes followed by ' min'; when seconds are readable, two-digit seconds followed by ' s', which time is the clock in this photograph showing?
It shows 12 h 51 min
